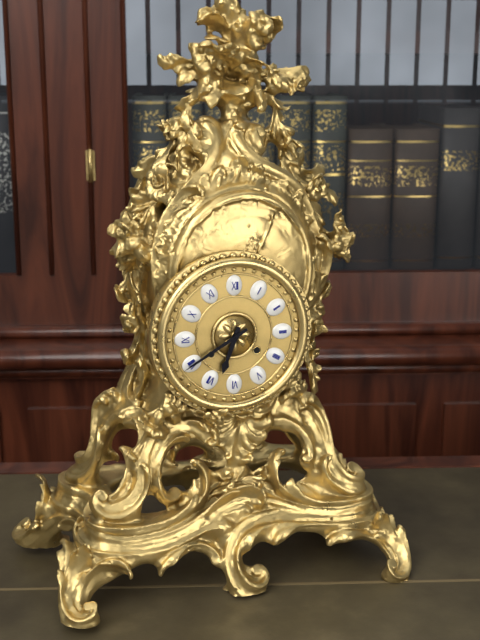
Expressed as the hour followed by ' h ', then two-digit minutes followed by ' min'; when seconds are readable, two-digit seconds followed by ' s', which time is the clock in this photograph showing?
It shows 6 h 40 min
